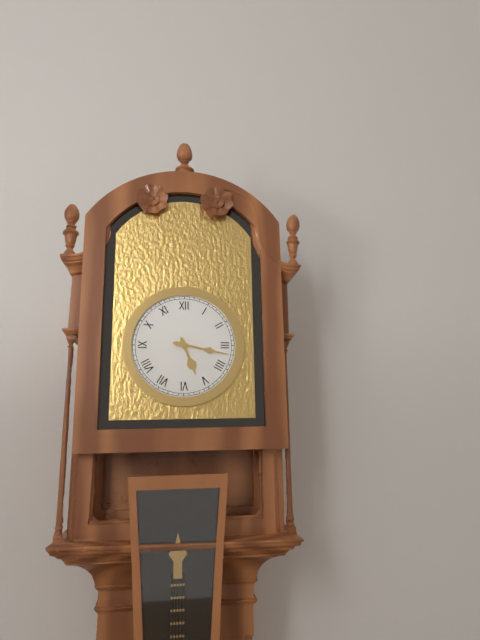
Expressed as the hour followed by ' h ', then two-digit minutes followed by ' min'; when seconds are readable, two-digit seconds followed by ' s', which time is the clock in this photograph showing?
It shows 5 h 17 min
